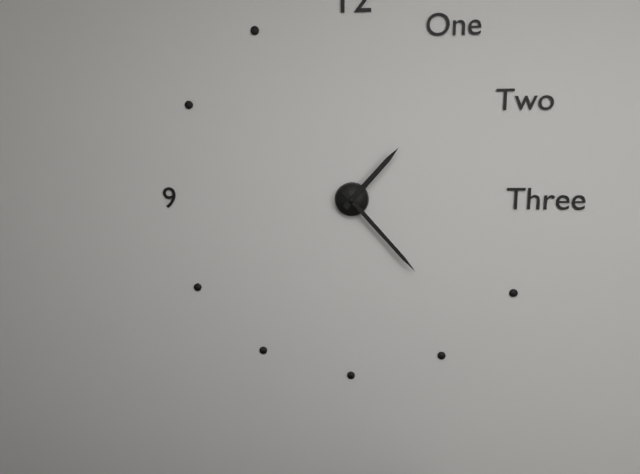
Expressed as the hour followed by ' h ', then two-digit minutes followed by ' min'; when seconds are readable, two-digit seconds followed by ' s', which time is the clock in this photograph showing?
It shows 1 h 23 min
